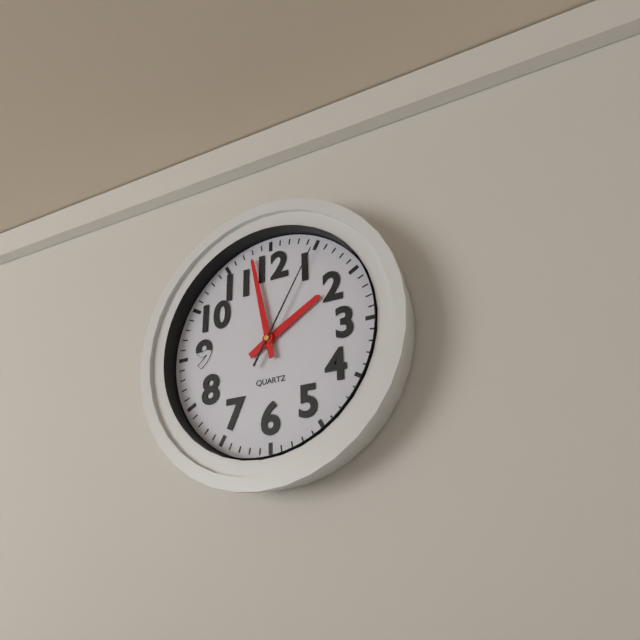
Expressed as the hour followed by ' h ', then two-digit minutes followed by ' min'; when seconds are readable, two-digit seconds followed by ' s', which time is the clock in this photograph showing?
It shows 1 h 58 min 05 s
